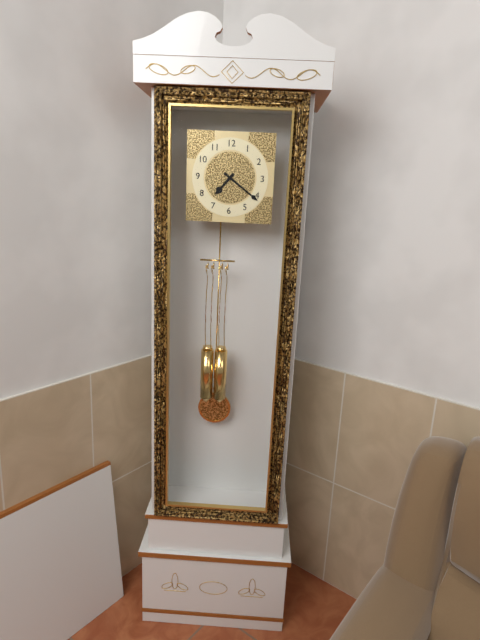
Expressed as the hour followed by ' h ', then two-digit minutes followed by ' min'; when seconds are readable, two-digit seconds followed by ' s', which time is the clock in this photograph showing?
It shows 7 h 21 min
